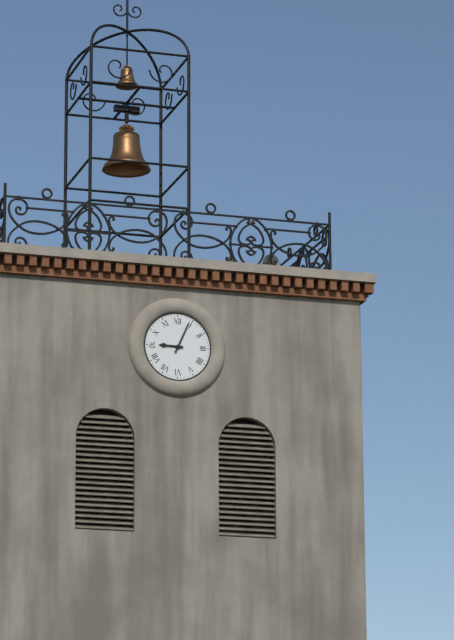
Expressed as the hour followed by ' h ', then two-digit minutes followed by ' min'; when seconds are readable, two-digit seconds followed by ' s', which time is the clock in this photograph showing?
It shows 9 h 04 min
